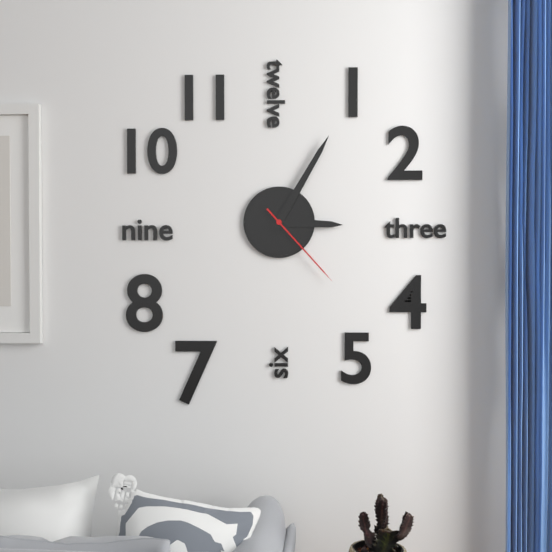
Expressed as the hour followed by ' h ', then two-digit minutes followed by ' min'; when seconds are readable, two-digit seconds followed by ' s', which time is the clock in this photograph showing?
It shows 3 h 05 min 23 s
